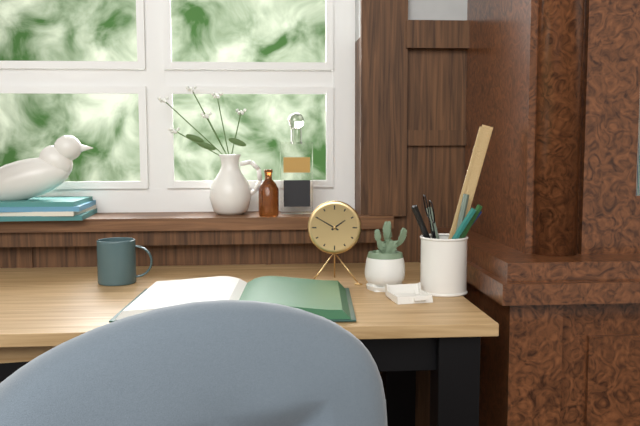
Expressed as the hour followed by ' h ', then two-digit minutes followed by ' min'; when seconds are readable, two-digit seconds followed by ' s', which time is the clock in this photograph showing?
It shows 1 h 50 min
